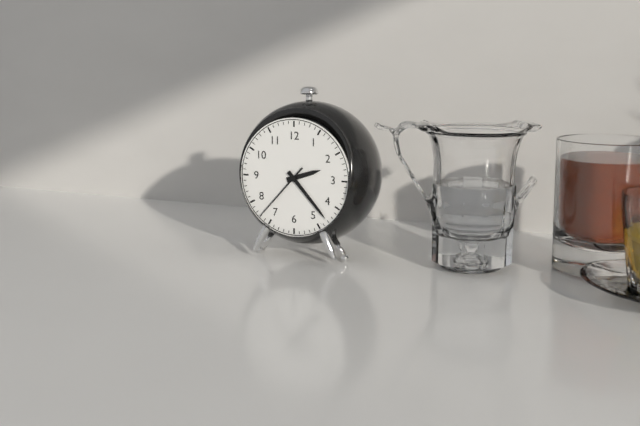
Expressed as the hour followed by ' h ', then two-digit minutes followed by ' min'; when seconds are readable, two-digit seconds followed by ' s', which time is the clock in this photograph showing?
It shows 2 h 23 min 37 s
